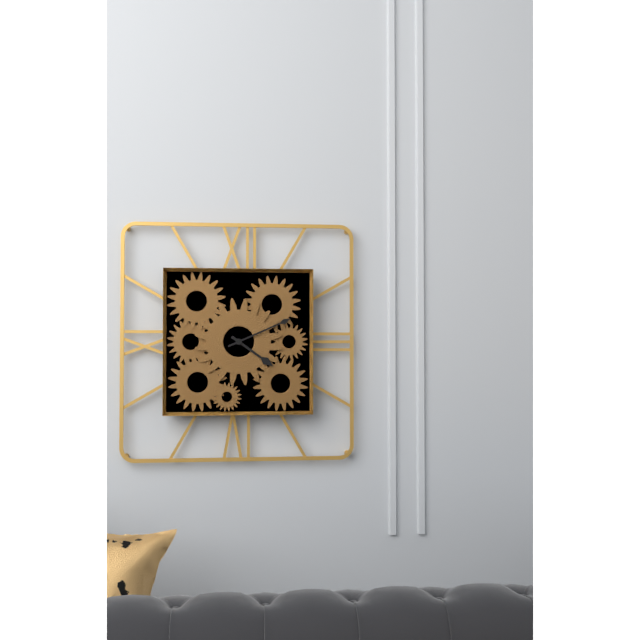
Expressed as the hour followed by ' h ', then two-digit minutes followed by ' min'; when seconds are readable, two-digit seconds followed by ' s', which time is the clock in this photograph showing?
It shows 4 h 11 min
